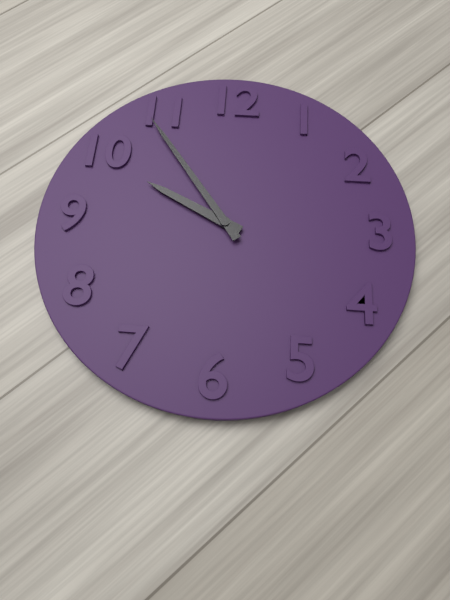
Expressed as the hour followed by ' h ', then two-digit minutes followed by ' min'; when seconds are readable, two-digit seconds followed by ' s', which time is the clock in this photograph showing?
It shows 9 h 54 min
